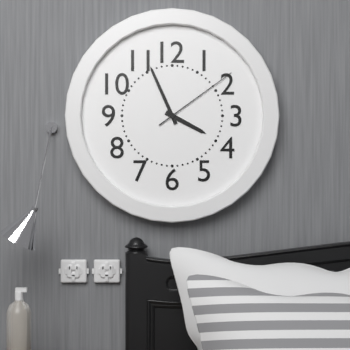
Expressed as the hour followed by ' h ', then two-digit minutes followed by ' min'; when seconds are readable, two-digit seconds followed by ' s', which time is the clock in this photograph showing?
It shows 3 h 56 min 09 s
